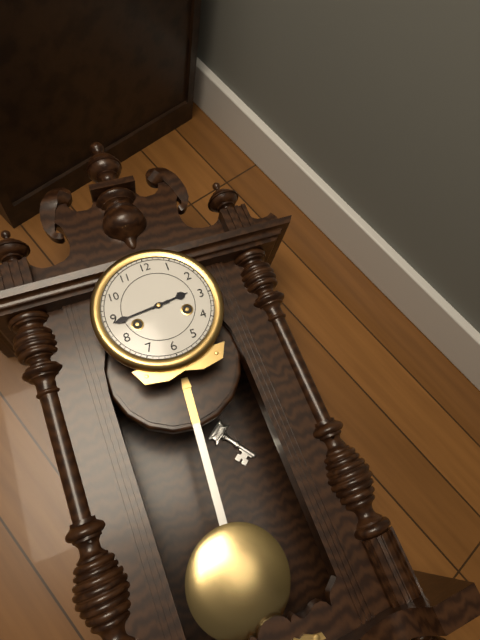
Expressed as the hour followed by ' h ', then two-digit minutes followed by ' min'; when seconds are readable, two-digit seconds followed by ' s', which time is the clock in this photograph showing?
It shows 2 h 44 min
